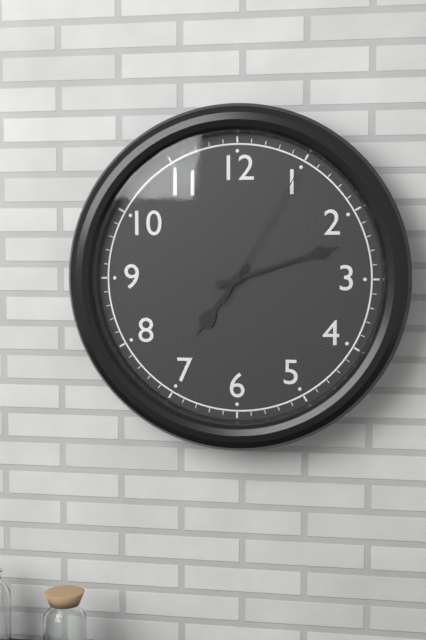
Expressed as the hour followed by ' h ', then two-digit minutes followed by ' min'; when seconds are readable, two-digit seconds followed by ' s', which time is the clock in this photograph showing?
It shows 7 h 12 min 05 s
